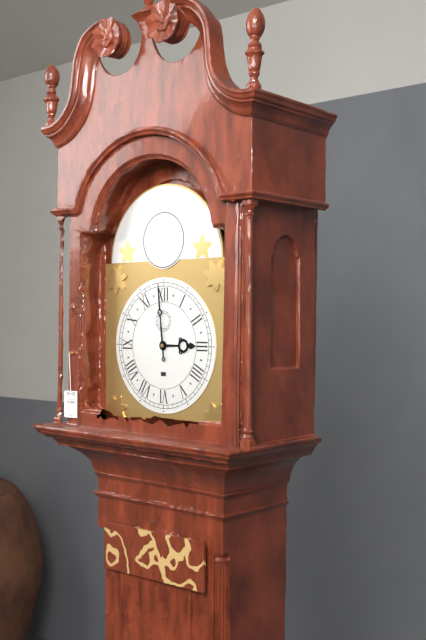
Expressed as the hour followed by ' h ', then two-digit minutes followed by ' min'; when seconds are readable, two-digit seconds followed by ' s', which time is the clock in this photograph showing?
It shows 2 h 59 min
